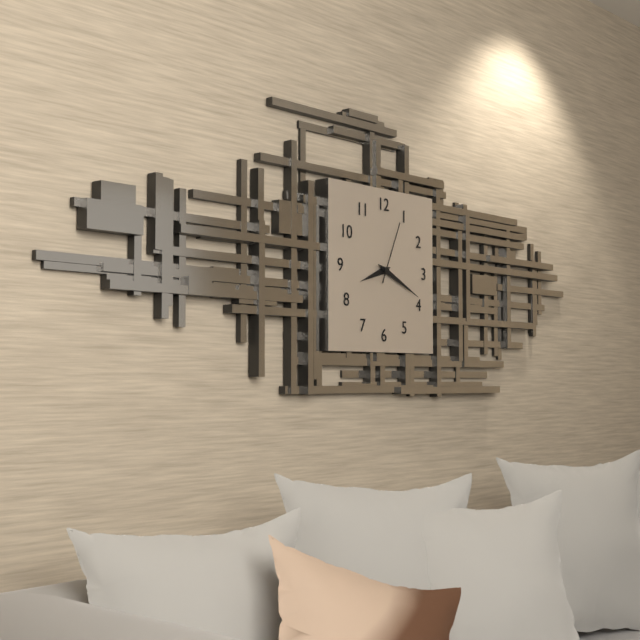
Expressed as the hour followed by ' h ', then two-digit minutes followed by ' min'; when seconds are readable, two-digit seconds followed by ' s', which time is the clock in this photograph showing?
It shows 8 h 19 min 04 s
